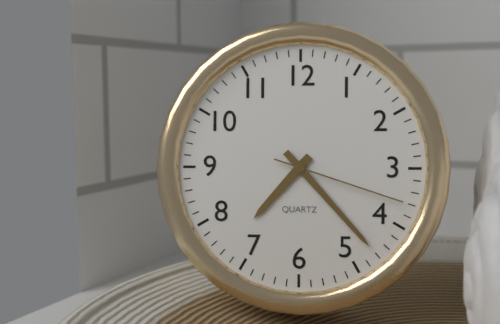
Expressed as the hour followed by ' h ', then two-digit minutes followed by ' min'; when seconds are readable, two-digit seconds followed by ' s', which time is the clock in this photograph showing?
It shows 7 h 23 min 18 s
